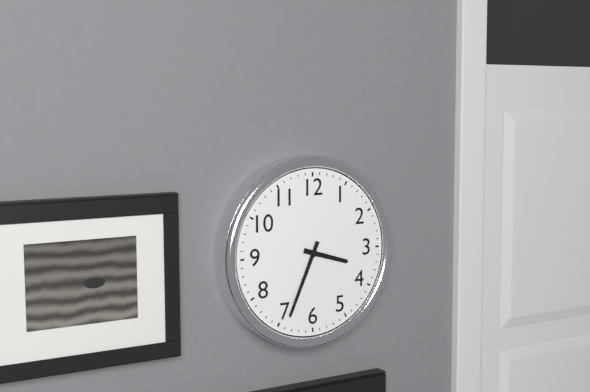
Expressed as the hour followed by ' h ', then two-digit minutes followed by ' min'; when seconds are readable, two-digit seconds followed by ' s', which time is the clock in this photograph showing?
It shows 3 h 34 min
